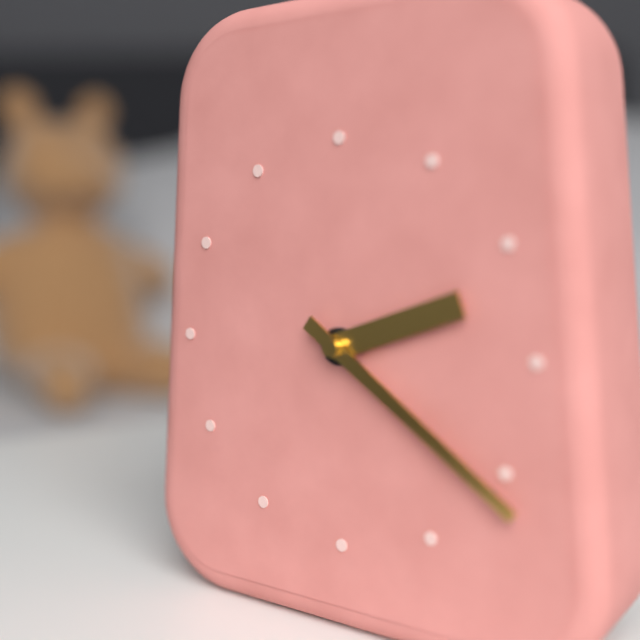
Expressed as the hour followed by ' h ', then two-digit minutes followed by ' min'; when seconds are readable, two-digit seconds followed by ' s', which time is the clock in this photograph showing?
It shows 2 h 21 min
